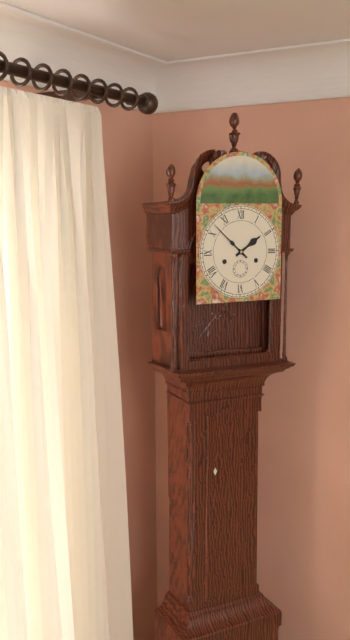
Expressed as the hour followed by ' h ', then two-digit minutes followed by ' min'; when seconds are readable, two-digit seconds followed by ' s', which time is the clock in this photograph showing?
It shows 1 h 52 min
